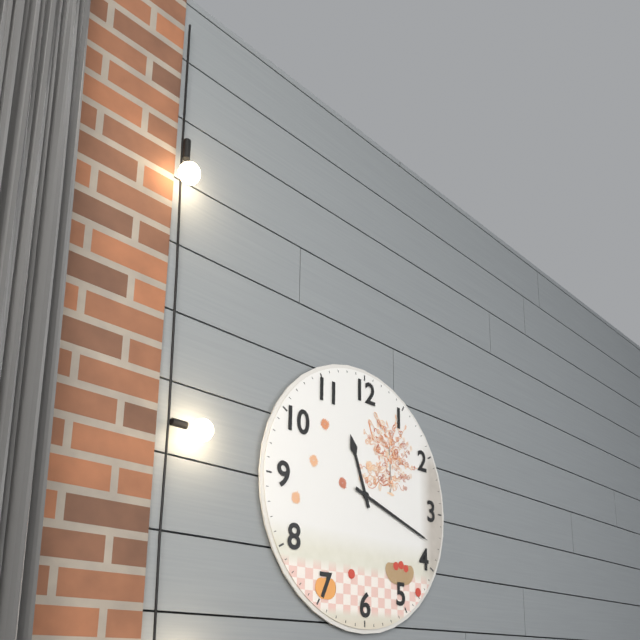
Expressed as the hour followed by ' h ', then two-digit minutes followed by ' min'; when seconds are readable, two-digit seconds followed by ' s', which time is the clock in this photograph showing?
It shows 11 h 18 min
